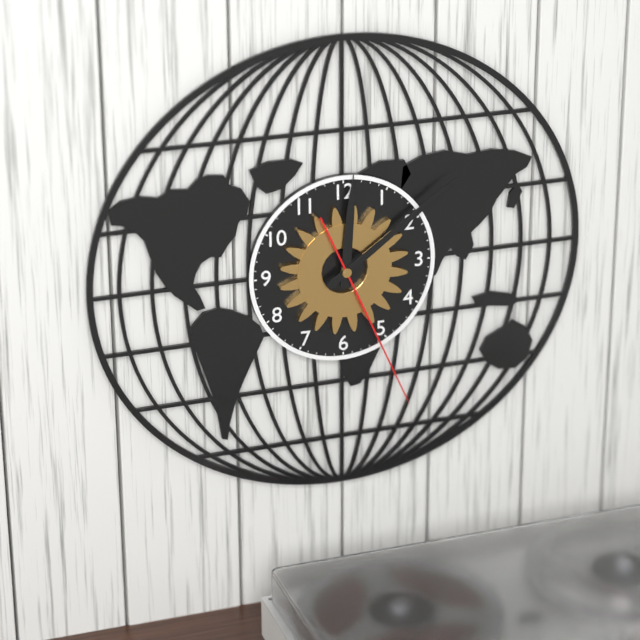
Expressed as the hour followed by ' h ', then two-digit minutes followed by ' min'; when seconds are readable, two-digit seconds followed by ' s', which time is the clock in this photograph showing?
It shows 12 h 09 min 26 s
